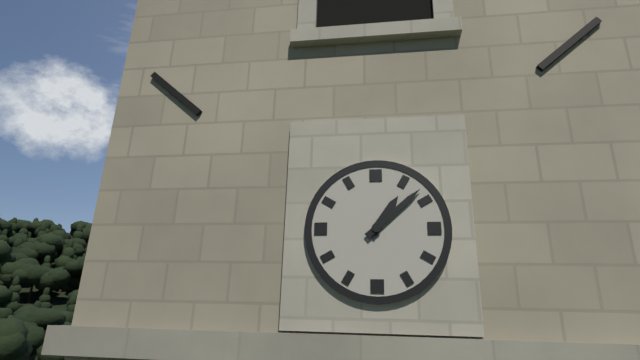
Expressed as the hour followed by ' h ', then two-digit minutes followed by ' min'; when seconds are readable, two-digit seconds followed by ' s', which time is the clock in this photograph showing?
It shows 1 h 08 min
